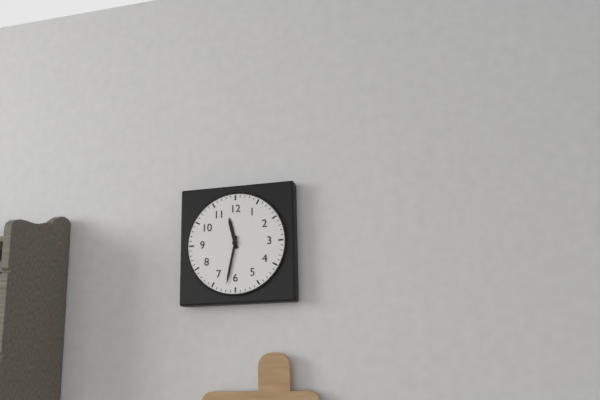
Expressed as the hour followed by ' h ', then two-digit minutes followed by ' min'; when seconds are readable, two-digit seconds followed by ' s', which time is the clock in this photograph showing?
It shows 11 h 32 min
